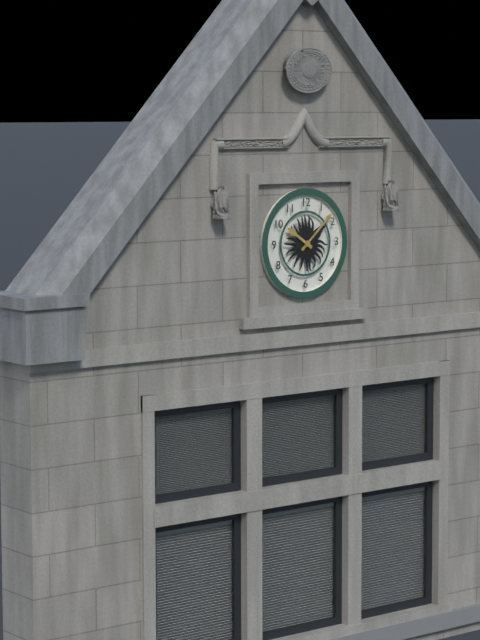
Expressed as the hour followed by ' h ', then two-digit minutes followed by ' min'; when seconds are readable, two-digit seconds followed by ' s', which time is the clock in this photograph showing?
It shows 10 h 08 min
